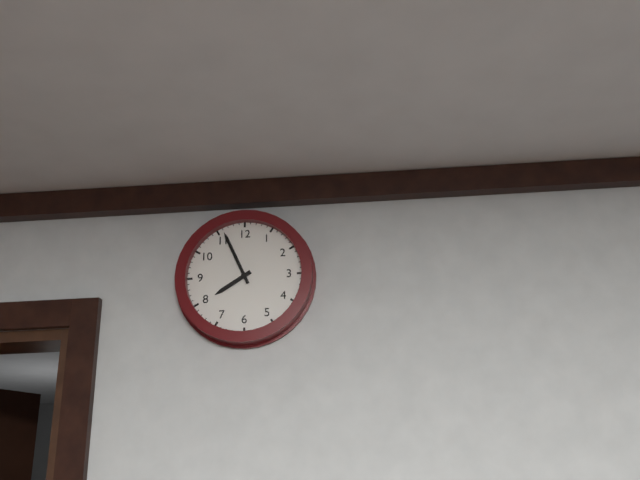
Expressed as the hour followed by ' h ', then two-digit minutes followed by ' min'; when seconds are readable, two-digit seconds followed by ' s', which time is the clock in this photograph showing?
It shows 7 h 56 min
